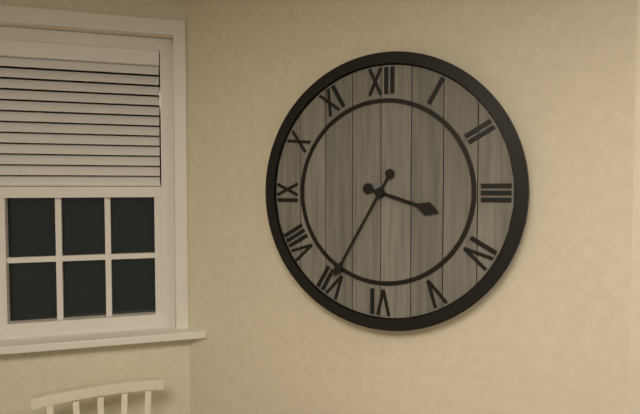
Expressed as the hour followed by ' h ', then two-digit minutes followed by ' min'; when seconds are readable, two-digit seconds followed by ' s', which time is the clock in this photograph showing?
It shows 3 h 35 min
